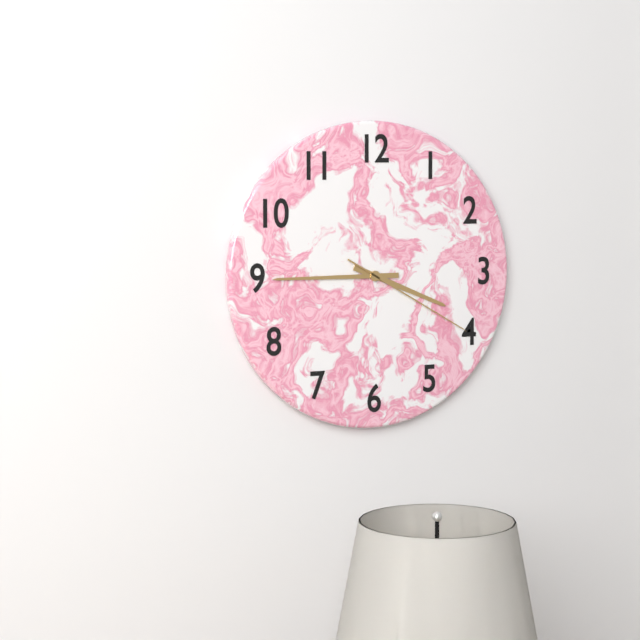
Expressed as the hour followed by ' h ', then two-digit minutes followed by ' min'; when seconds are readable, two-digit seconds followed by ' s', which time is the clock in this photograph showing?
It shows 3 h 45 min 20 s
